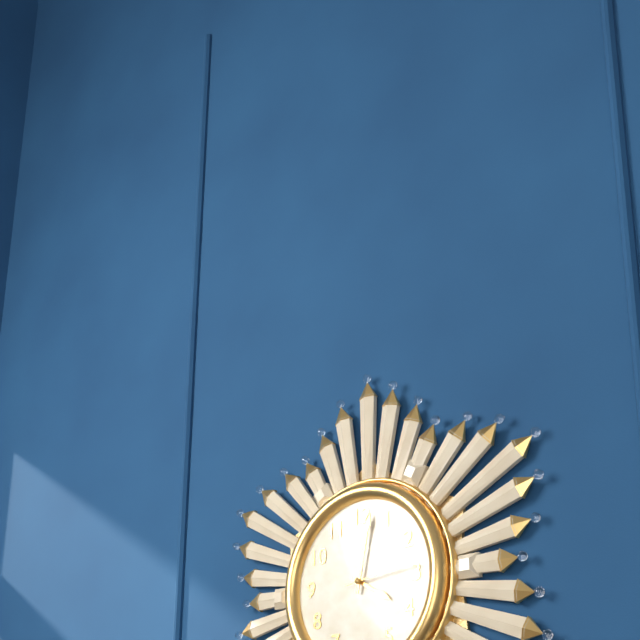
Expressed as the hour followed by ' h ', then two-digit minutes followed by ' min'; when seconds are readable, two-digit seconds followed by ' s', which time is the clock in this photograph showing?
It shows 4 h 02 min 14 s
